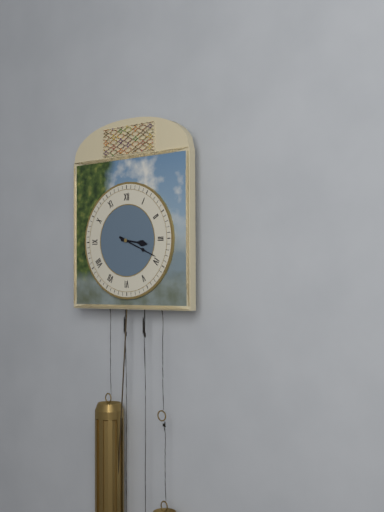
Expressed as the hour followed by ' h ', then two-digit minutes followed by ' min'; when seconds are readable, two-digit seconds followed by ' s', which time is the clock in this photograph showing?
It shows 3 h 19 min
